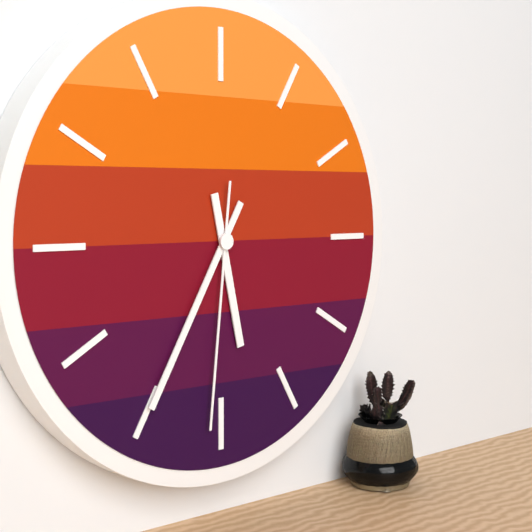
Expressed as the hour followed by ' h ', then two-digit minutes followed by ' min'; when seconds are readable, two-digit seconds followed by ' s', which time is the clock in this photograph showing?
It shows 5 h 35 min 31 s
